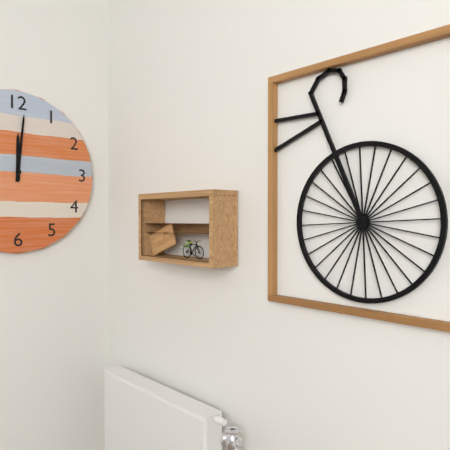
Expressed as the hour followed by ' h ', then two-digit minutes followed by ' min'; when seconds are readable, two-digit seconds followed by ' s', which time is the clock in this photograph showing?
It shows 12 h 01 min
